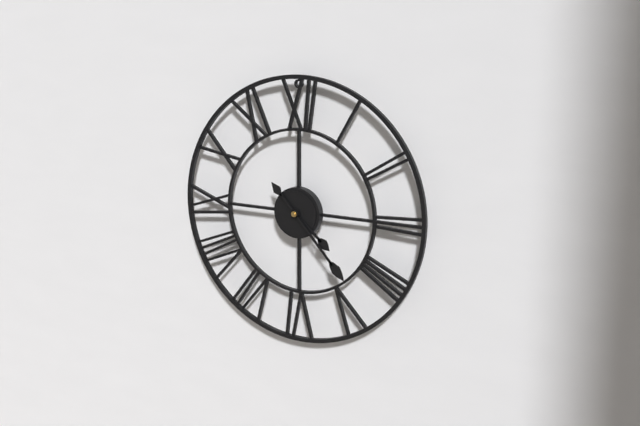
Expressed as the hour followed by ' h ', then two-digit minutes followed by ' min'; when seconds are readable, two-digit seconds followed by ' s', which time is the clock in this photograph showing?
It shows 4 h 23 min
